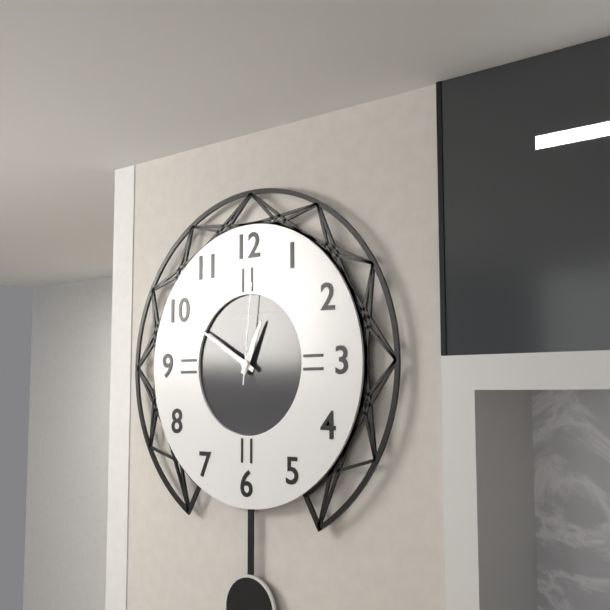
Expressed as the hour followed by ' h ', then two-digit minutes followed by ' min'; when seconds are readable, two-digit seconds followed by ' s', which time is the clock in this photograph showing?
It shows 12 h 50 min 01 s
